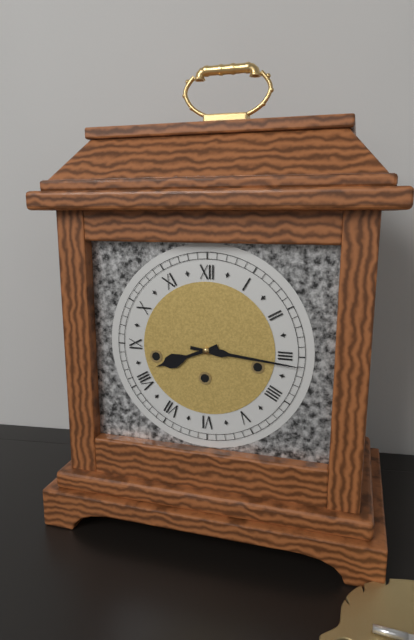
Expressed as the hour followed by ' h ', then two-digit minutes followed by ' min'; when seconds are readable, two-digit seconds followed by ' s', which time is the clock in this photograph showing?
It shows 8 h 16 min
